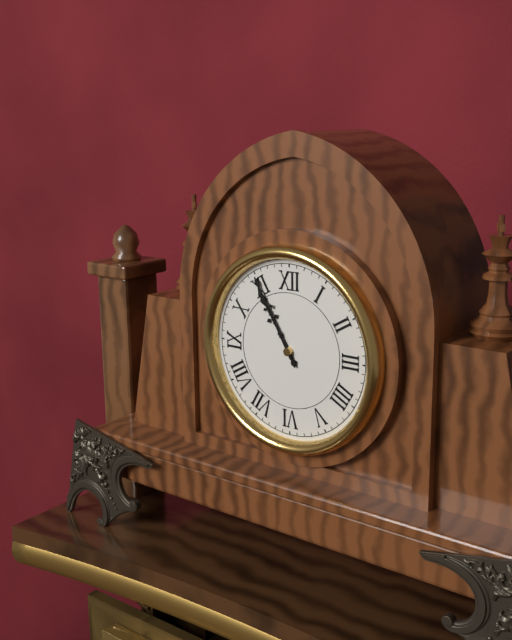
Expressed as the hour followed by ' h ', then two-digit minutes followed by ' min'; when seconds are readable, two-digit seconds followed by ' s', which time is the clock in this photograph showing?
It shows 10 h 55 min
